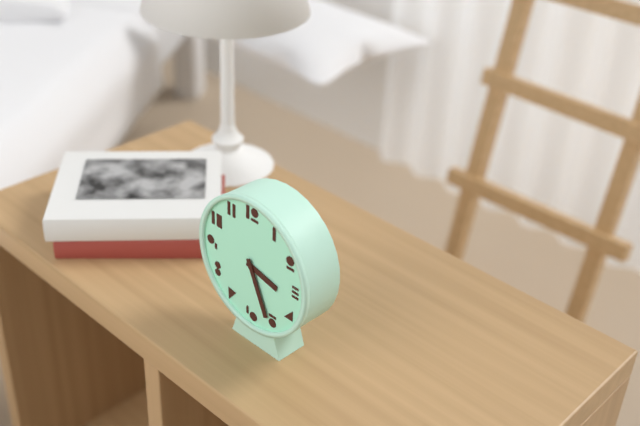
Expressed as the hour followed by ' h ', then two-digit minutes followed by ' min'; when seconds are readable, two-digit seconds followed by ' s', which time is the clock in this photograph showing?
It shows 3 h 26 min
